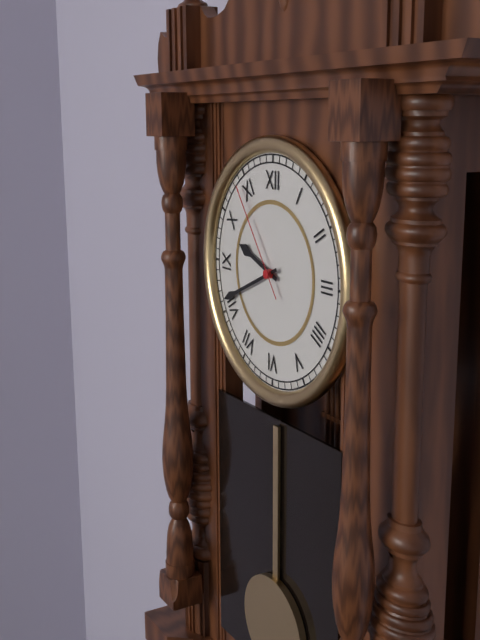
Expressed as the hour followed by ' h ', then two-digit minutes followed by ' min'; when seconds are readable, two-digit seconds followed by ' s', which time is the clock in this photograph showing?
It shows 9 h 41 min 54 s
